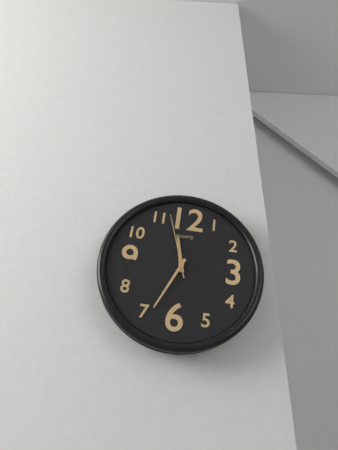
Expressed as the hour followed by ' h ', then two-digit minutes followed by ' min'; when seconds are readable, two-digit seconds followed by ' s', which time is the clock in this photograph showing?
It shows 11 h 34 min 57 s
